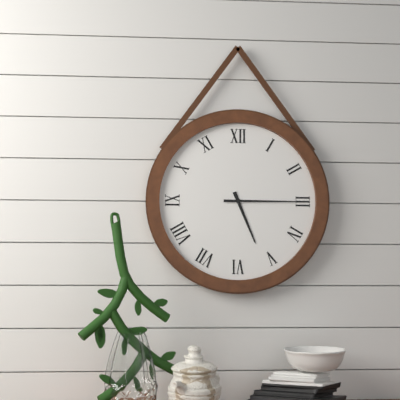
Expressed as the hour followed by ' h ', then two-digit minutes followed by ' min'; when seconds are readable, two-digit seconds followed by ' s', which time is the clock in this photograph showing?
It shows 5 h 15 min
